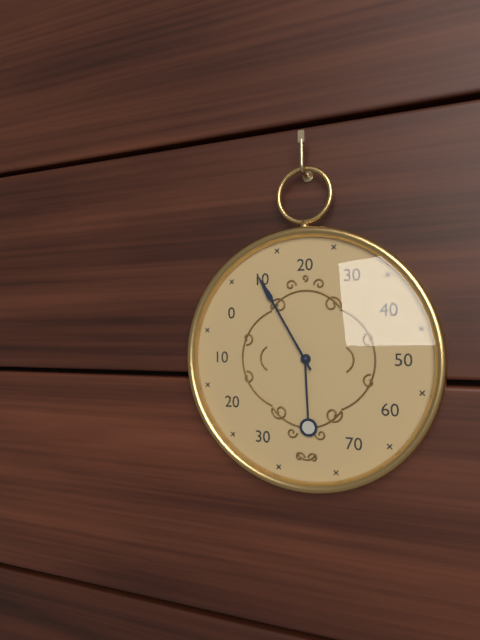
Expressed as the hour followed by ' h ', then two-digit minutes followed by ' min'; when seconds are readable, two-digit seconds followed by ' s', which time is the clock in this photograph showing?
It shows 5 h 55 min
